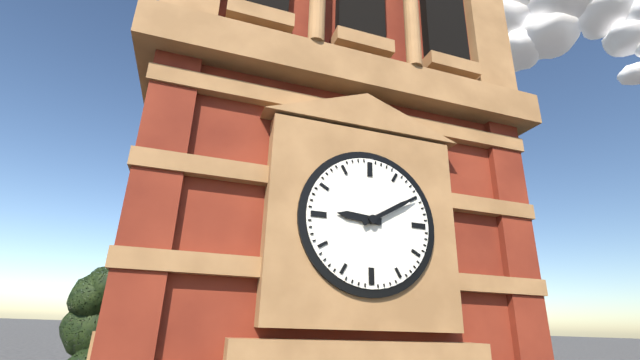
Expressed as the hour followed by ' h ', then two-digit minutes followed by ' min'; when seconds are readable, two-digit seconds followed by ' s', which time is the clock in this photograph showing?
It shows 9 h 10 min
